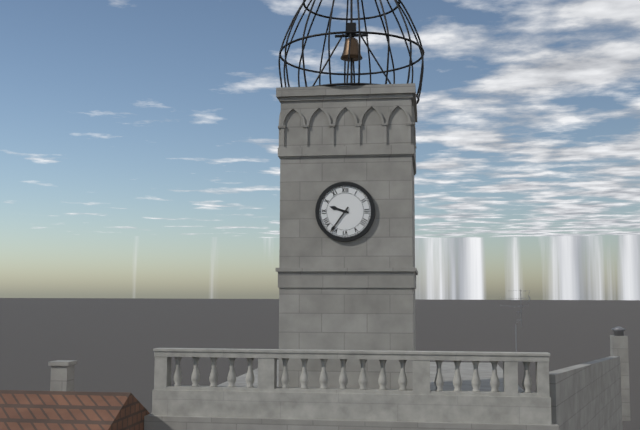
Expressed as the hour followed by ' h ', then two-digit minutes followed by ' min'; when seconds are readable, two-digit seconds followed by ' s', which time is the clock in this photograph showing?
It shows 9 h 36 min
